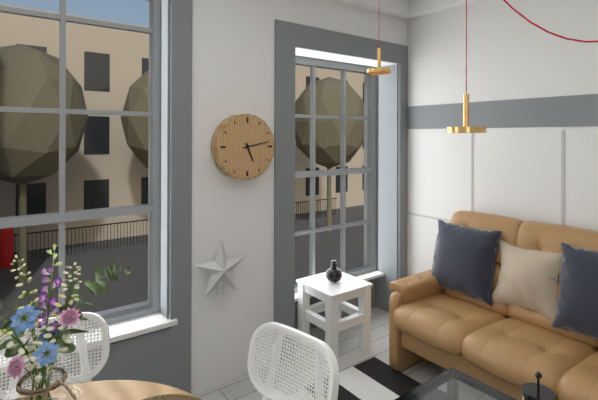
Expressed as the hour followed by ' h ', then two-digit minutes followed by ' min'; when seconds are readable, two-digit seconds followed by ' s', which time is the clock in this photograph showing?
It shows 5 h 13 min
